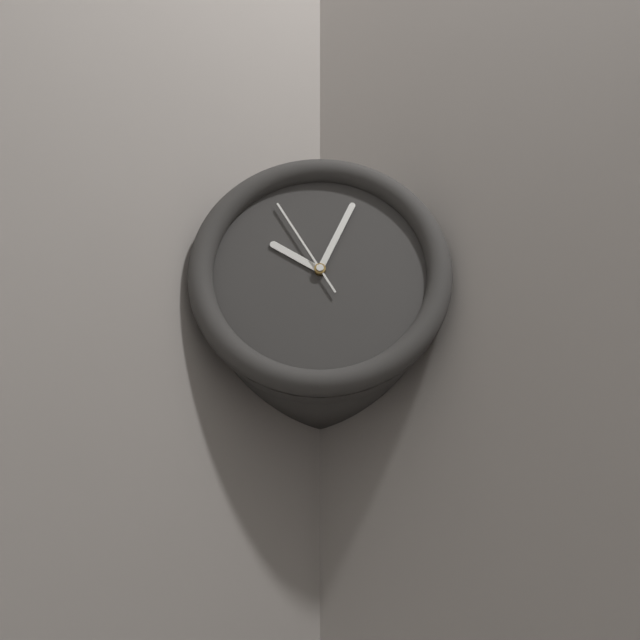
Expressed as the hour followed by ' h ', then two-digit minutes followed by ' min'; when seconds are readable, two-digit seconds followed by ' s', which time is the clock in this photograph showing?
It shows 10 h 04 min 55 s
